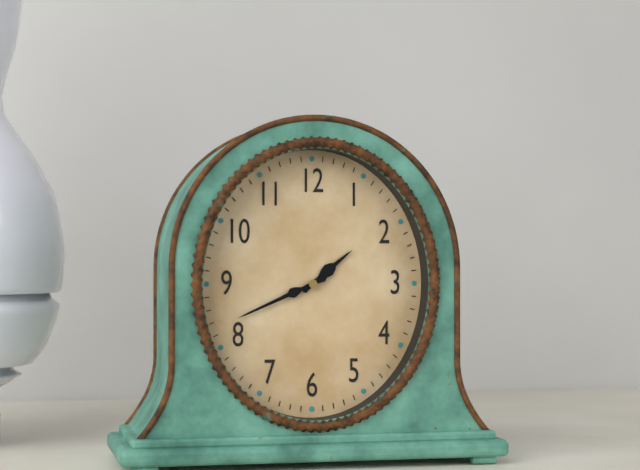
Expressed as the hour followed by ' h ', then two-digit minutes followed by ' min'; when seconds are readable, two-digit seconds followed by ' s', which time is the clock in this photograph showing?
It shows 1 h 41 min
